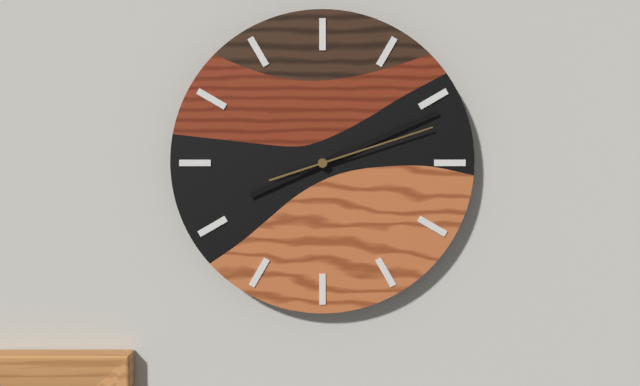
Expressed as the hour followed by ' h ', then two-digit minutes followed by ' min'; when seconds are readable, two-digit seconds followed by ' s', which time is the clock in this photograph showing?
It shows 8 h 11 min 12 s
